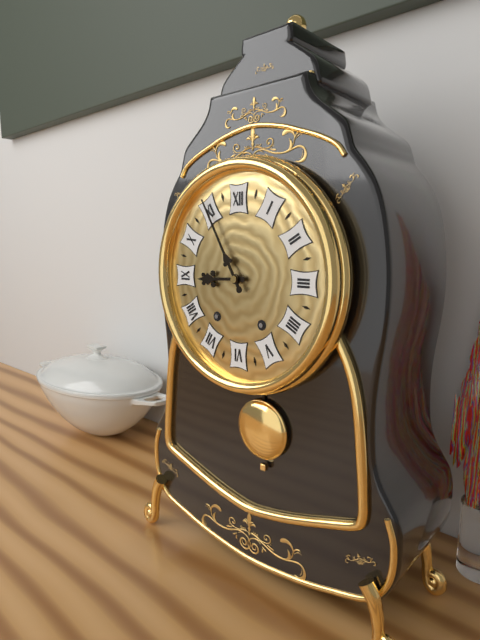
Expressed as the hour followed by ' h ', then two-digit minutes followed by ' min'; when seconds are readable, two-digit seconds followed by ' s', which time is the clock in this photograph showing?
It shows 8 h 55 min
